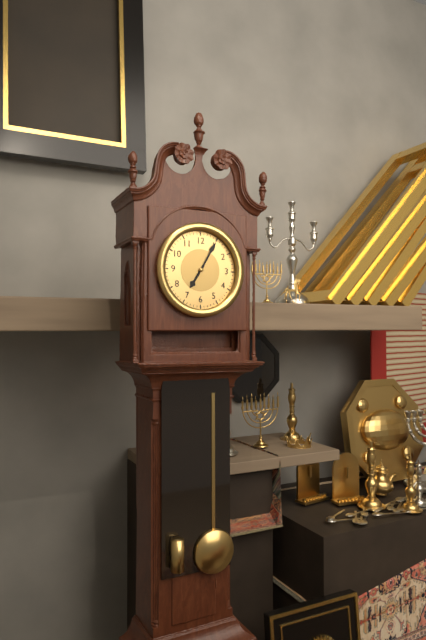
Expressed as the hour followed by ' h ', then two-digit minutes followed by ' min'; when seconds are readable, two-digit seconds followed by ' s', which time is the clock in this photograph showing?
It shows 7 h 05 min
